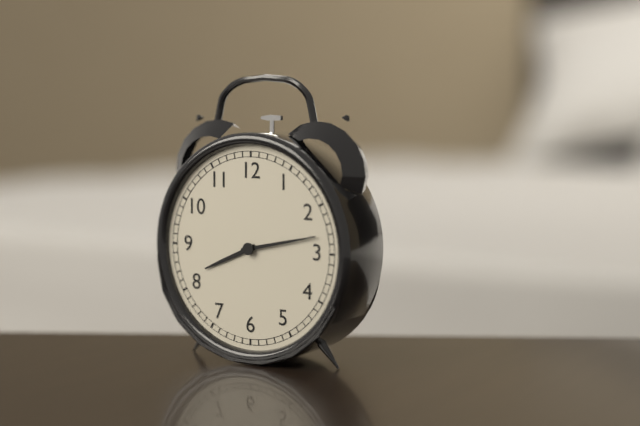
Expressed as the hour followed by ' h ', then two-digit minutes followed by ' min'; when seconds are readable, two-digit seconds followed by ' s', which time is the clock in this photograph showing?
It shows 8 h 13 min
